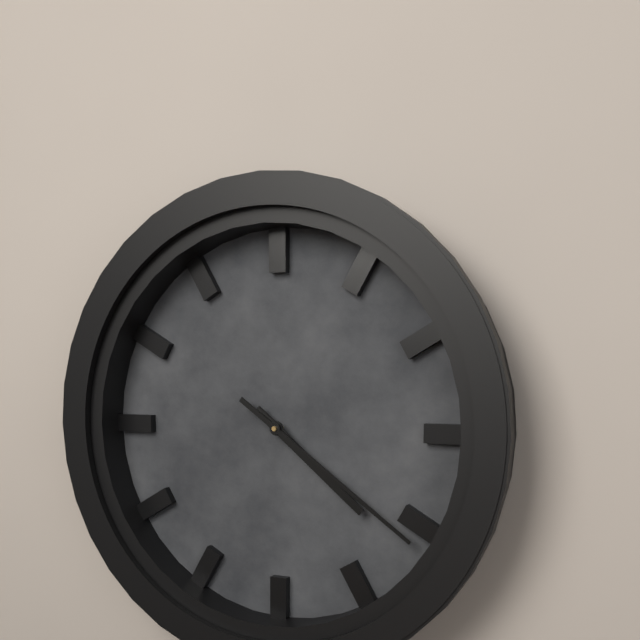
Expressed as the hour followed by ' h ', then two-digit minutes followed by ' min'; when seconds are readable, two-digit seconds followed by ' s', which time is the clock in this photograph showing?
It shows 4 h 21 min
